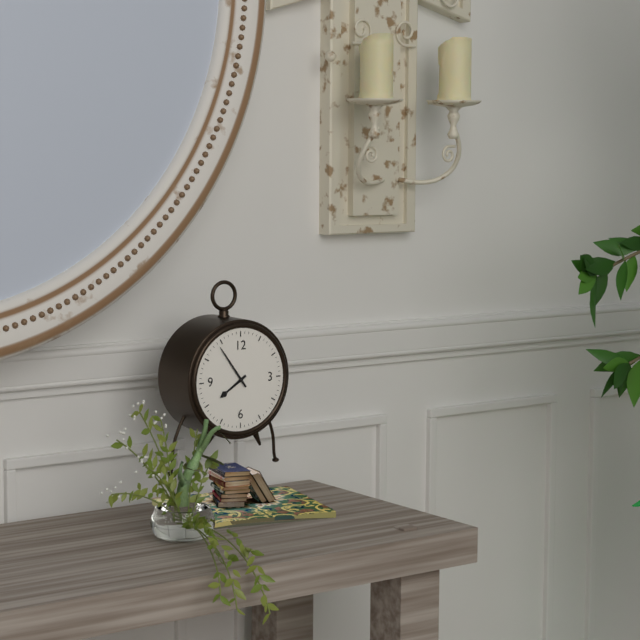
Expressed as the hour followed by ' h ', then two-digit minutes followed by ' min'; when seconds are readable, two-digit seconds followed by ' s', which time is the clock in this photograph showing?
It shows 7 h 54 min
